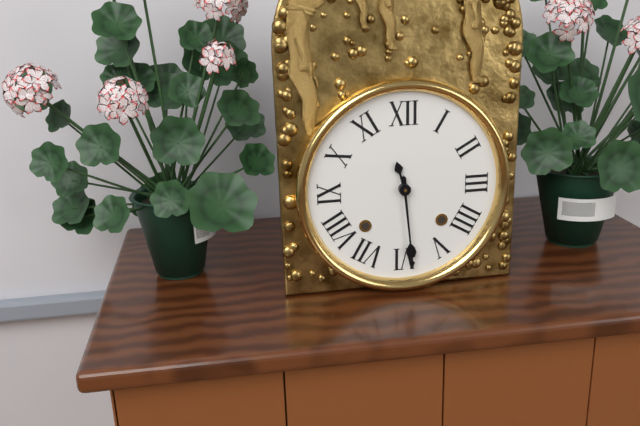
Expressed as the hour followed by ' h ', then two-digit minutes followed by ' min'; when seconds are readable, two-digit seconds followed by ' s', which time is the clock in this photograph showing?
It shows 11 h 29 min
